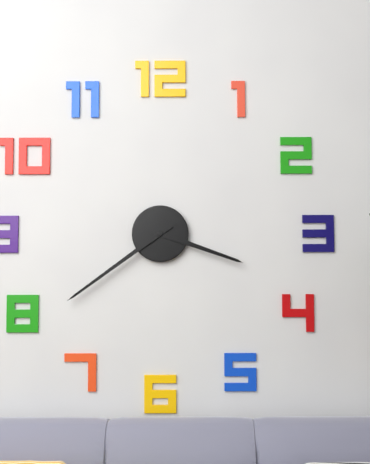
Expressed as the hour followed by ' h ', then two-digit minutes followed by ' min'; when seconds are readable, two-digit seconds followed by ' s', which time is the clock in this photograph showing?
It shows 3 h 39 min
